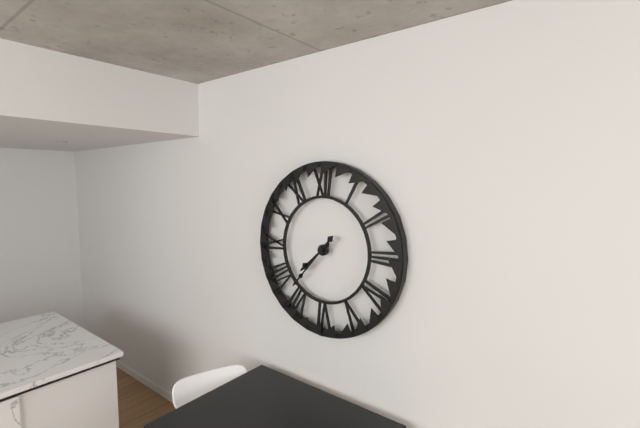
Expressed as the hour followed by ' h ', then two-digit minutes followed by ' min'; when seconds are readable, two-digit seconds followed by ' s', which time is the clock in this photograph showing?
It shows 7 h 37 min
